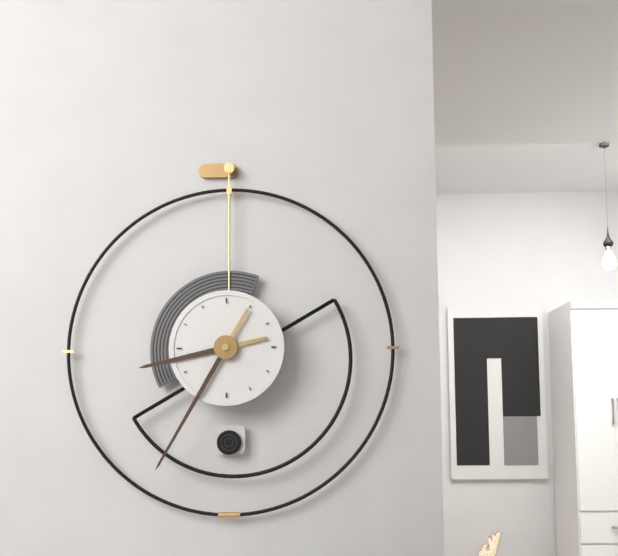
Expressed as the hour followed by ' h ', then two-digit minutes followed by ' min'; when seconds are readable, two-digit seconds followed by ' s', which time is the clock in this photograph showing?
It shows 8 h 35 min
